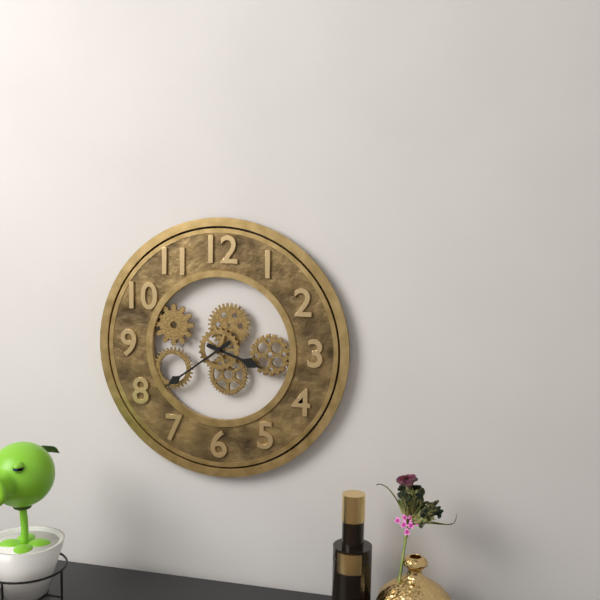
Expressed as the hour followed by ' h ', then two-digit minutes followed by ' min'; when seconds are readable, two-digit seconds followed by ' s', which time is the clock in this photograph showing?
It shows 3 h 39 min
